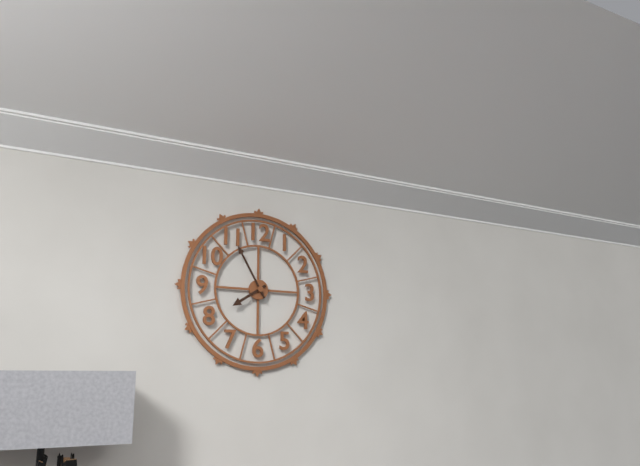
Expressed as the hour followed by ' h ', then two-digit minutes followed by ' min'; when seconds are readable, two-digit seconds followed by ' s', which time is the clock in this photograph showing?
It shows 7 h 55 min
